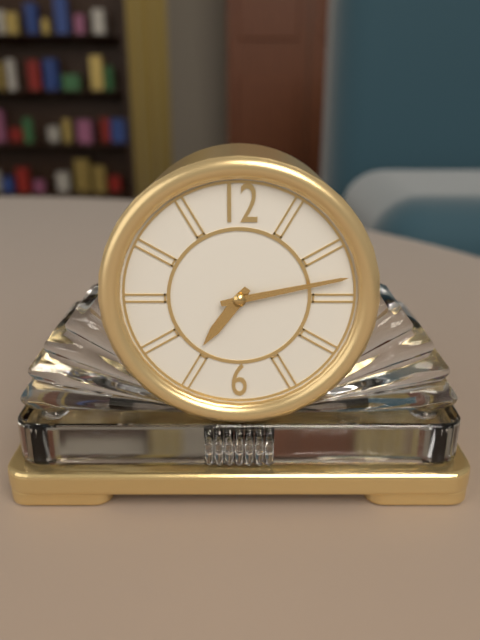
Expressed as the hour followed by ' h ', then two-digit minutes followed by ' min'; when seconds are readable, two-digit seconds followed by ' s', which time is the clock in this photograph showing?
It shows 7 h 13 min
